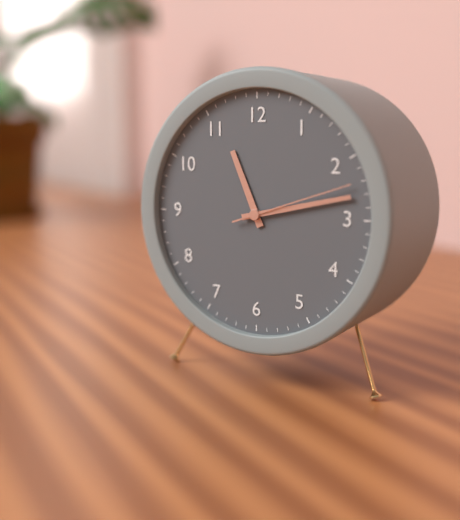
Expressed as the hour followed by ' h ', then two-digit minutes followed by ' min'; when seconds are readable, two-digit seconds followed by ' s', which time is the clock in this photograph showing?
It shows 11 h 13 min 12 s
